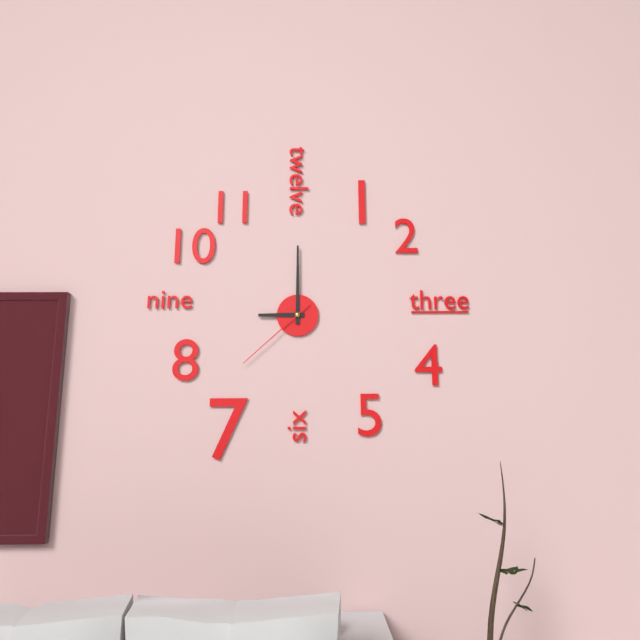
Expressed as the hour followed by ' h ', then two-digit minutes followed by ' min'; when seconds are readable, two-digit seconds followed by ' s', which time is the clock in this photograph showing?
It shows 9 h 00 min 38 s
